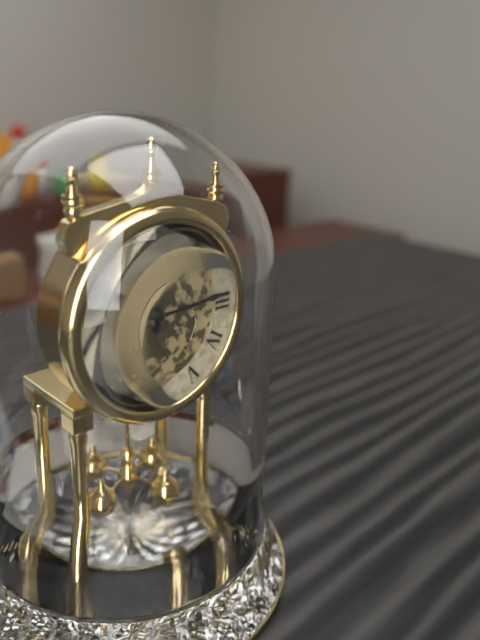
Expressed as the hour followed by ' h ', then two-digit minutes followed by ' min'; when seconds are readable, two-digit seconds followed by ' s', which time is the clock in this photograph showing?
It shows 12 h 14 min
